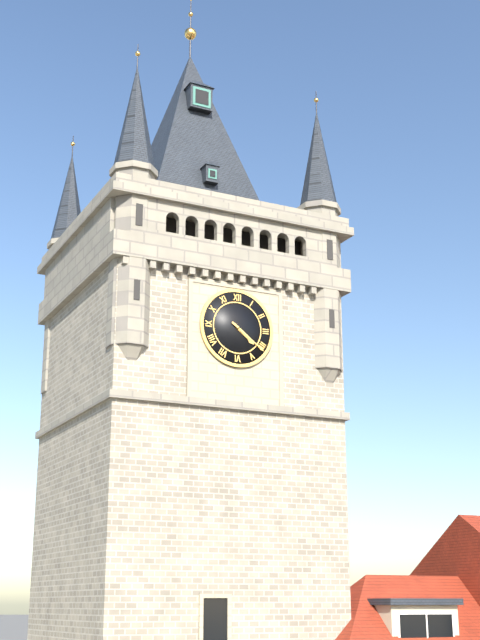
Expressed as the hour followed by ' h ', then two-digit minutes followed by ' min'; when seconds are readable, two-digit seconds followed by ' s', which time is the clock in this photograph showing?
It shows 4 h 21 min
